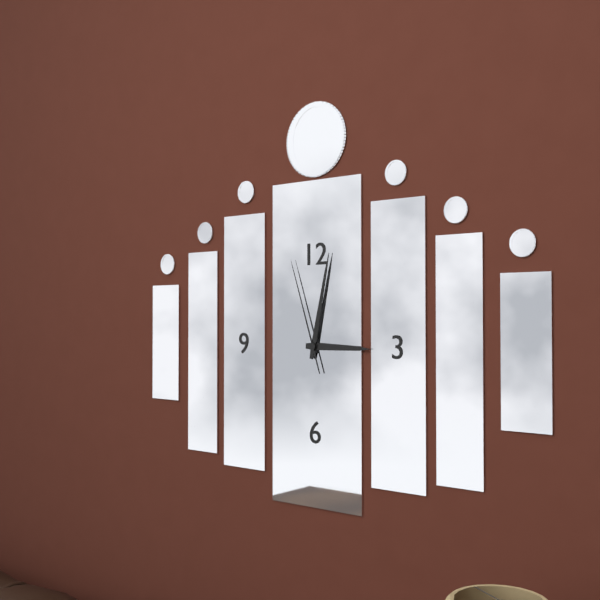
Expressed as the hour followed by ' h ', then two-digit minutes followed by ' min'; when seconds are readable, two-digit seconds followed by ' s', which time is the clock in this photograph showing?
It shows 3 h 02 min 57 s
